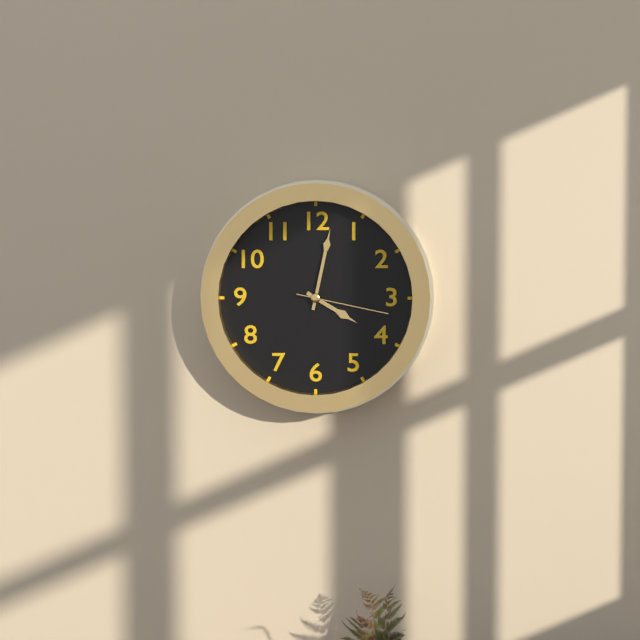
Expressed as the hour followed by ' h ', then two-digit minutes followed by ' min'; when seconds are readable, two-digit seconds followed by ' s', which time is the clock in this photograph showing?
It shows 4 h 02 min 17 s
